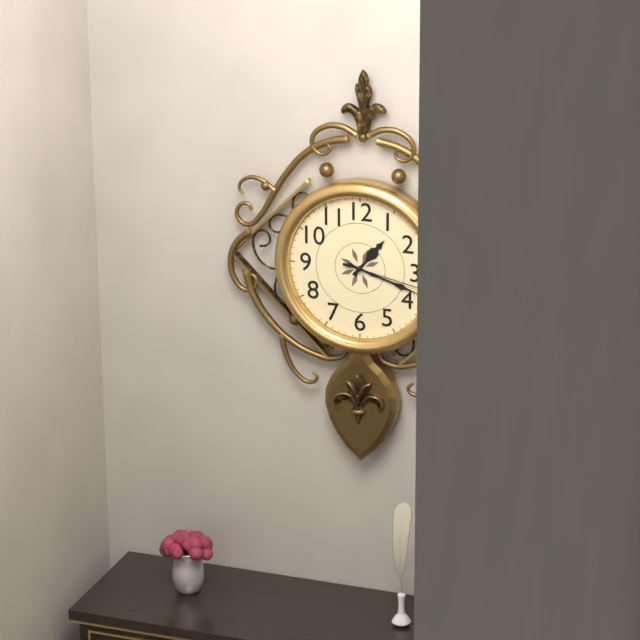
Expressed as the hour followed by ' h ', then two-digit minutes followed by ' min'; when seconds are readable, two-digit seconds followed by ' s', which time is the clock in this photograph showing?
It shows 1 h 18 min 17 s
